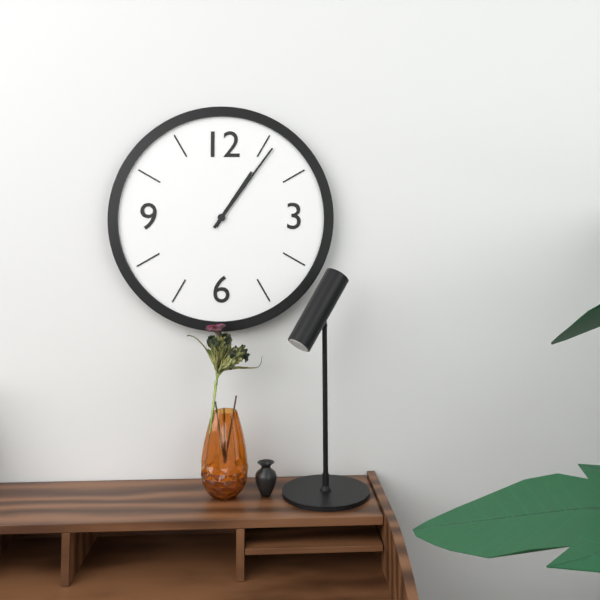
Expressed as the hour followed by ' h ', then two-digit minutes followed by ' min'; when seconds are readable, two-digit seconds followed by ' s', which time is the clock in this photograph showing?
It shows 1 h 06 min
